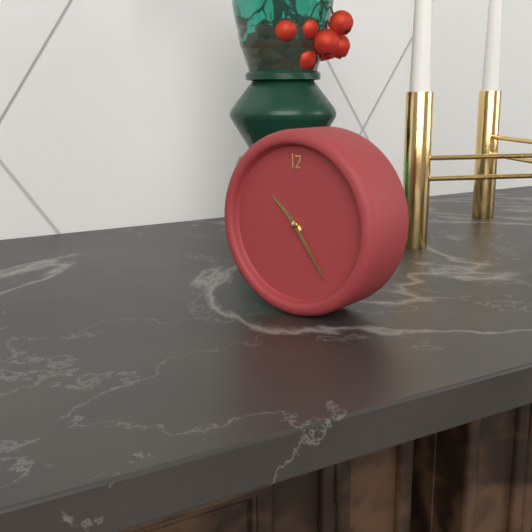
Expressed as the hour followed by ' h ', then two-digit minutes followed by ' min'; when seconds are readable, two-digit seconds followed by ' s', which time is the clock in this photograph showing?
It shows 10 h 24 min
